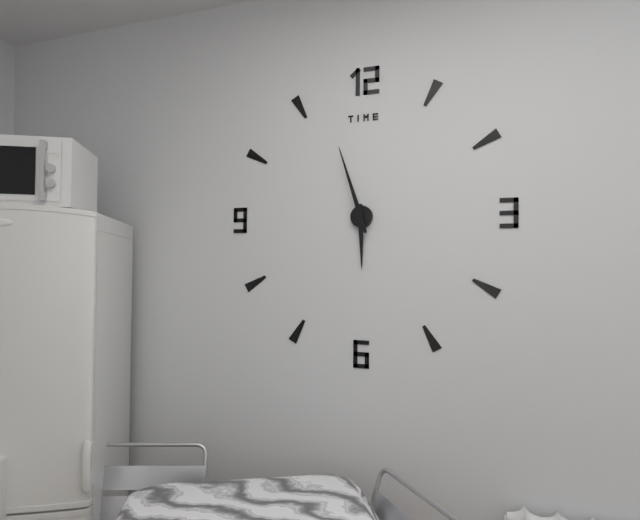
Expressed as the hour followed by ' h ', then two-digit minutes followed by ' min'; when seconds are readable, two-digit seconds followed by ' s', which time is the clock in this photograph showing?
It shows 5 h 57 min
